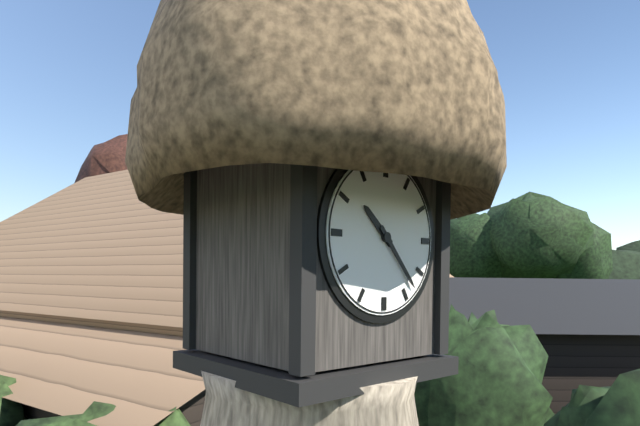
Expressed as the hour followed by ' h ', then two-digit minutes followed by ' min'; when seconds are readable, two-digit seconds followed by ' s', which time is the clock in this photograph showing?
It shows 10 h 23 min
